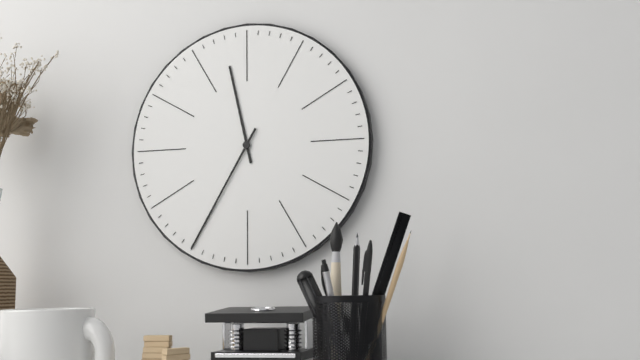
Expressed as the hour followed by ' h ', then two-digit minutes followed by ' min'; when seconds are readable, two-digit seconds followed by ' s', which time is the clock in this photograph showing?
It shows 11 h 35 min
